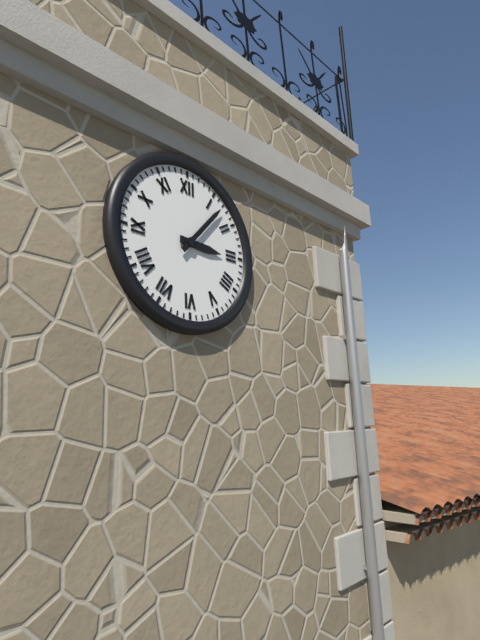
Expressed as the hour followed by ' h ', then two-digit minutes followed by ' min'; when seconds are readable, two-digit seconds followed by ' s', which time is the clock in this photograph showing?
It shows 3 h 07 min
